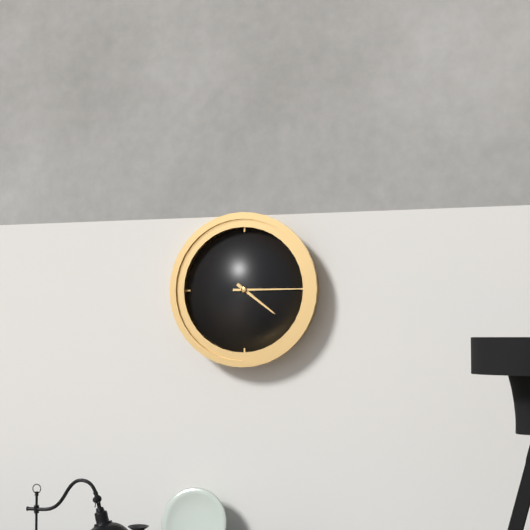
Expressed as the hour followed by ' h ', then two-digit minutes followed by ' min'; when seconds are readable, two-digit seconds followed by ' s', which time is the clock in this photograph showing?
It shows 4 h 15 min
